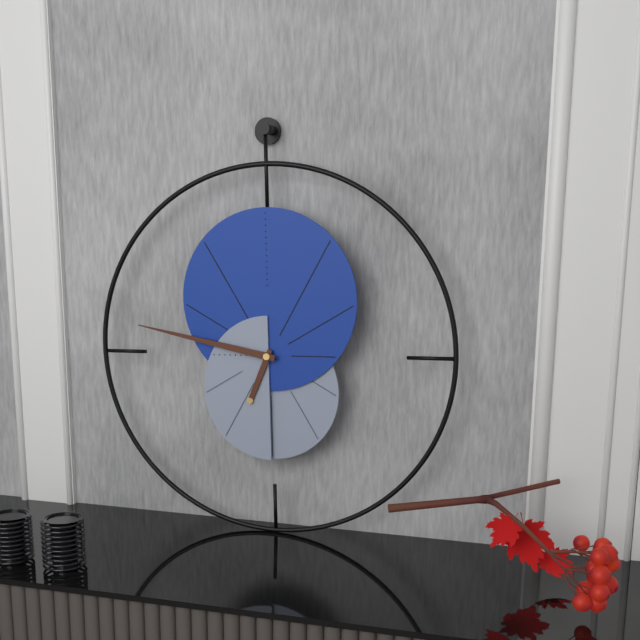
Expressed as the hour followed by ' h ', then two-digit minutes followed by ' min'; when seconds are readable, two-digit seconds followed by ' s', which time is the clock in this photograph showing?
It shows 6 h 47 min
